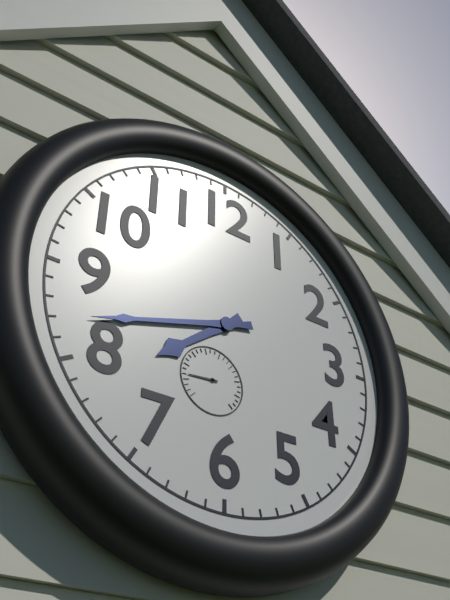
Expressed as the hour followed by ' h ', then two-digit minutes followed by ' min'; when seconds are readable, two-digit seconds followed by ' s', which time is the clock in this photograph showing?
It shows 7 h 42 min
